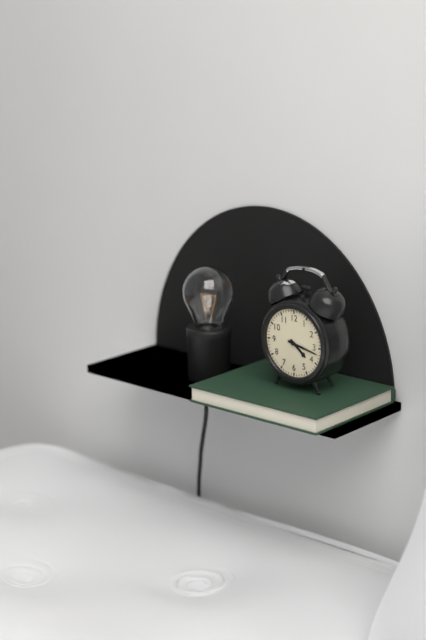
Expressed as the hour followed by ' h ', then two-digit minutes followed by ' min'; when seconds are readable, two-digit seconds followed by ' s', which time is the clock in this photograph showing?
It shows 4 h 17 min
